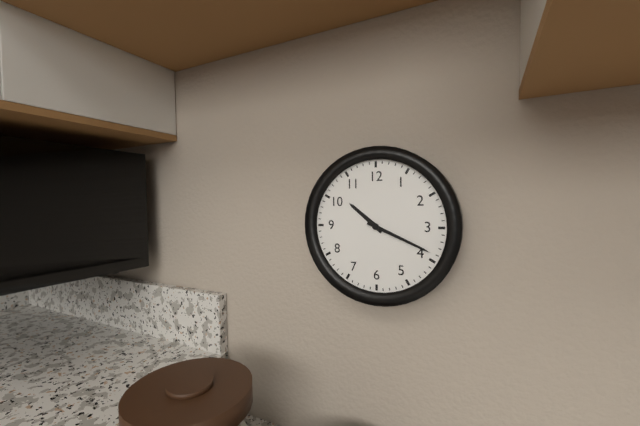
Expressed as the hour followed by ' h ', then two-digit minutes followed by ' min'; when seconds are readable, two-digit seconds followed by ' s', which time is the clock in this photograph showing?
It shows 10 h 19 min
